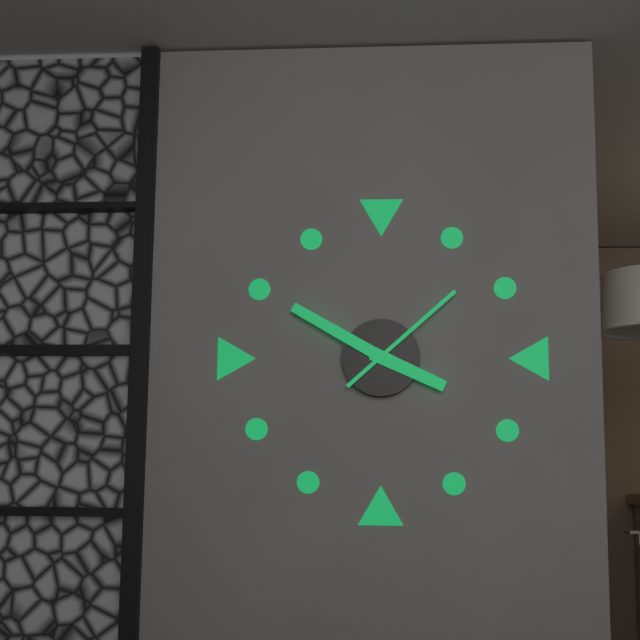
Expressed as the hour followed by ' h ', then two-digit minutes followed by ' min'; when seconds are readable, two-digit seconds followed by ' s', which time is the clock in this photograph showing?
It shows 3 h 50 min 08 s
